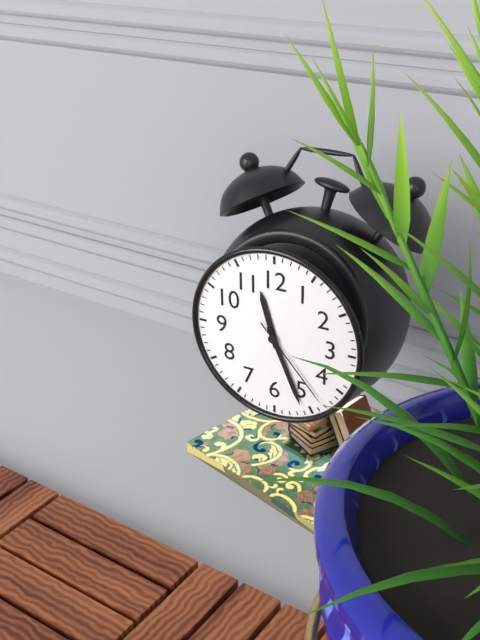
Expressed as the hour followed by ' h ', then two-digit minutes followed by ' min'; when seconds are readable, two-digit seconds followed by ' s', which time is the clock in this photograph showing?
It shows 11 h 26 min 23 s
